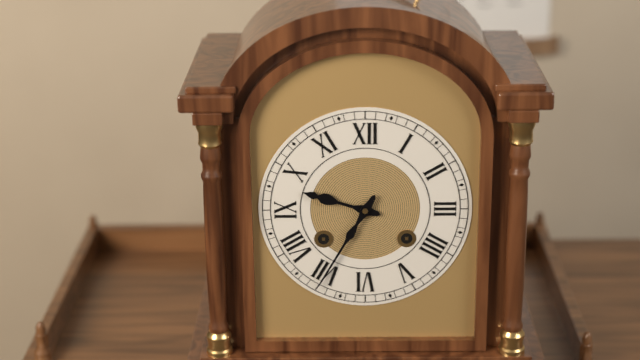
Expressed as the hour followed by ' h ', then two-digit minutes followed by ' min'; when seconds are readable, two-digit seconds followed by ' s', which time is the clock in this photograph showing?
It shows 9 h 35 min
